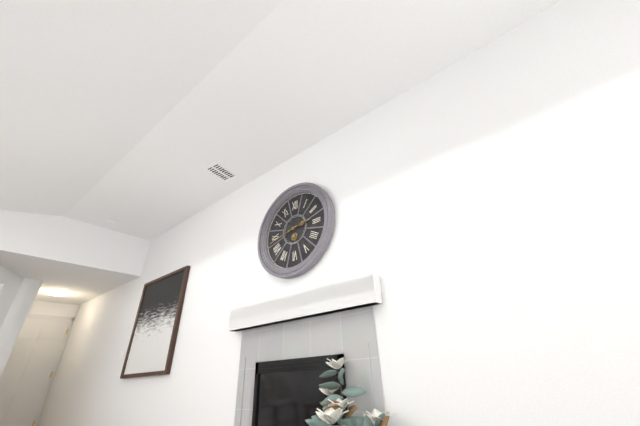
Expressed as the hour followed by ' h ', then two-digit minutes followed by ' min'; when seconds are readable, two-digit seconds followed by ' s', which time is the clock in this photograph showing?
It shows 2 h 43 min
